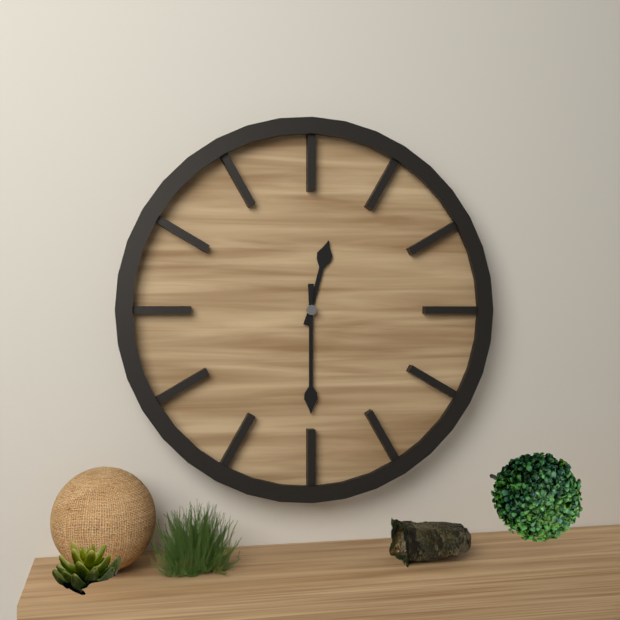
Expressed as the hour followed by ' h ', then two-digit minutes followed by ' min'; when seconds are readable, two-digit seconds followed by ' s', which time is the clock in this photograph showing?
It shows 12 h 30 min
